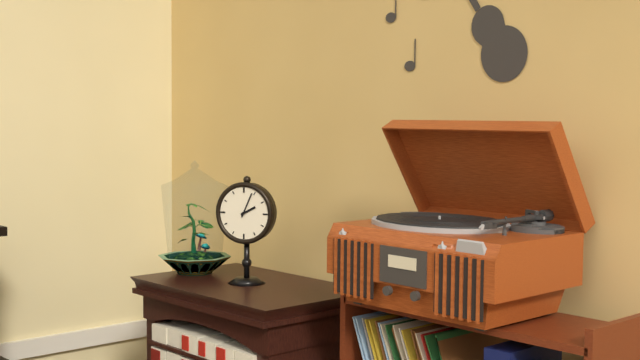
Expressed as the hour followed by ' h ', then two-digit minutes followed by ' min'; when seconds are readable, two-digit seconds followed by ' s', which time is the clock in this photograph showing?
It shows 2 h 04 min
